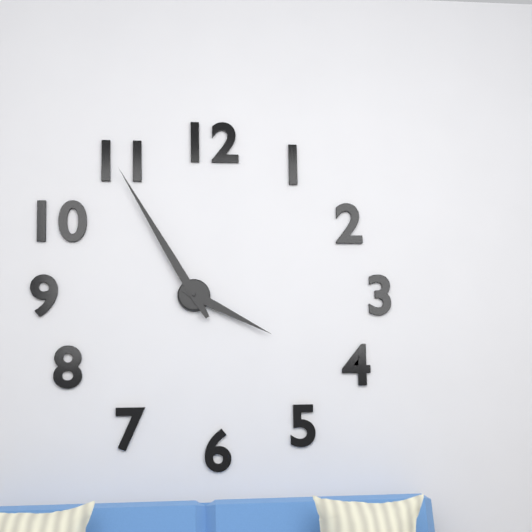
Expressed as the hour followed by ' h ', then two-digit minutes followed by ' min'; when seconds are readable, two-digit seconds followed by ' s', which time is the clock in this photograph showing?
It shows 3 h 55 min
